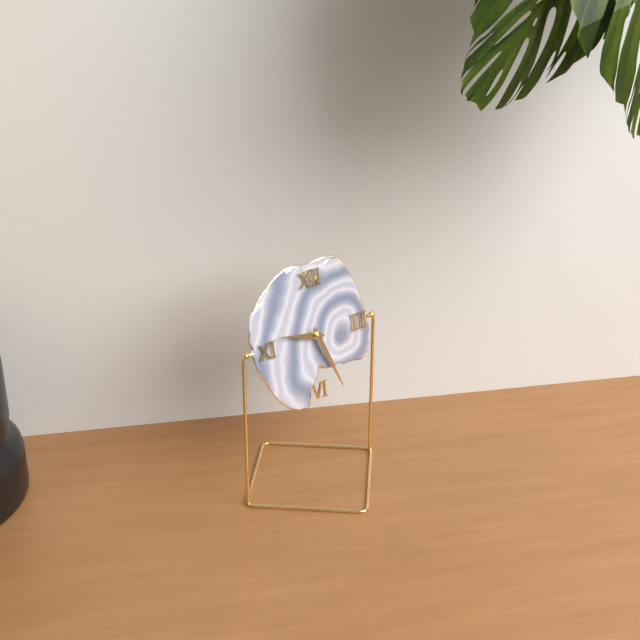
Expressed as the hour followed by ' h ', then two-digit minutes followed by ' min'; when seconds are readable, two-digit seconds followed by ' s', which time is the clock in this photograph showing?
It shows 9 h 26 min
